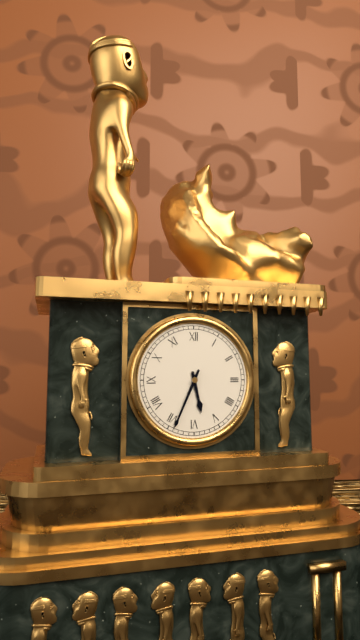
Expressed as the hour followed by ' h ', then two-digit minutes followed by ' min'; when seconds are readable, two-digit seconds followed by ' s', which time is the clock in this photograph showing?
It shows 5 h 34 min
